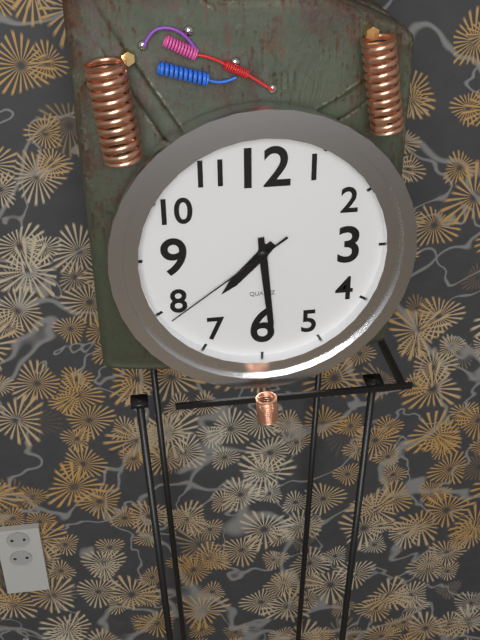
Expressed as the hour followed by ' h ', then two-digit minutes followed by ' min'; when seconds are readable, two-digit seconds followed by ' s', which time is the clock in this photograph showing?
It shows 7 h 29 min 39 s
